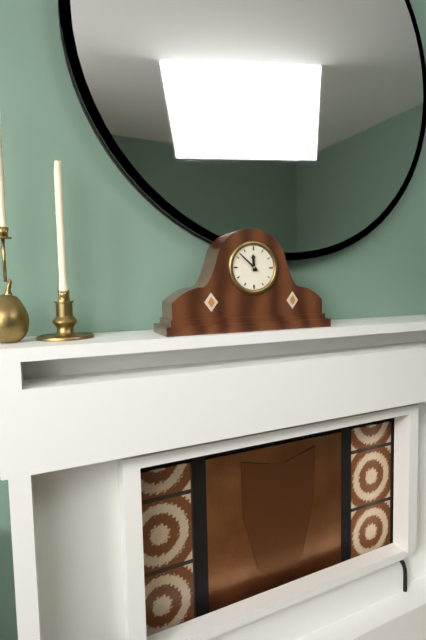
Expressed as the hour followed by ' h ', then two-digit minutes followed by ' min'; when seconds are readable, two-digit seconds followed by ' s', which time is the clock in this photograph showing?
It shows 11 h 52 min
